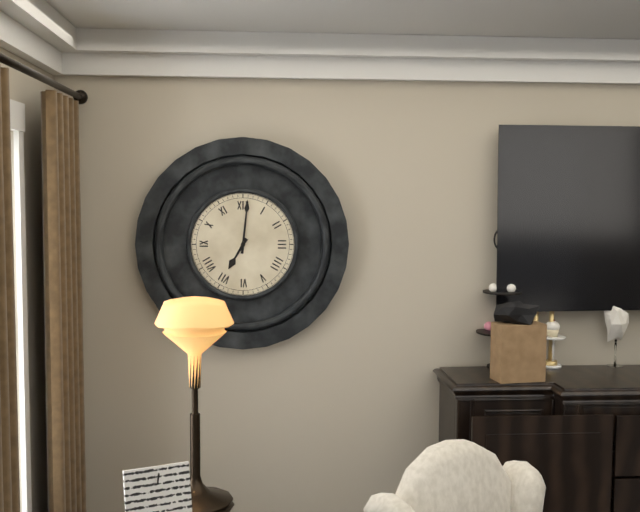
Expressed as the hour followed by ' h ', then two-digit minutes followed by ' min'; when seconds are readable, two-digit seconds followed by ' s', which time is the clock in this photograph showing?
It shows 7 h 01 min
